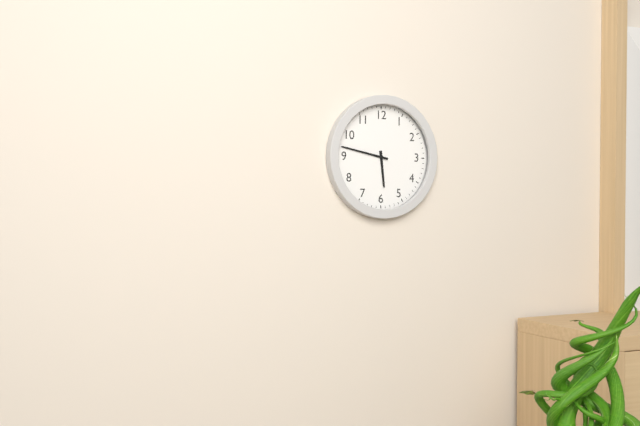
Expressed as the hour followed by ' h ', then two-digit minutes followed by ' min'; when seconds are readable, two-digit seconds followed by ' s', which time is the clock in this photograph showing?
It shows 5 h 47 min
